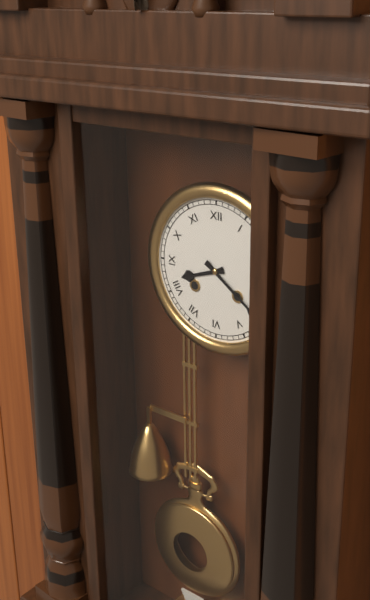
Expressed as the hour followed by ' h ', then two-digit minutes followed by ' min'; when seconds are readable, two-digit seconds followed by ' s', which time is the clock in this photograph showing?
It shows 8 h 21 min
